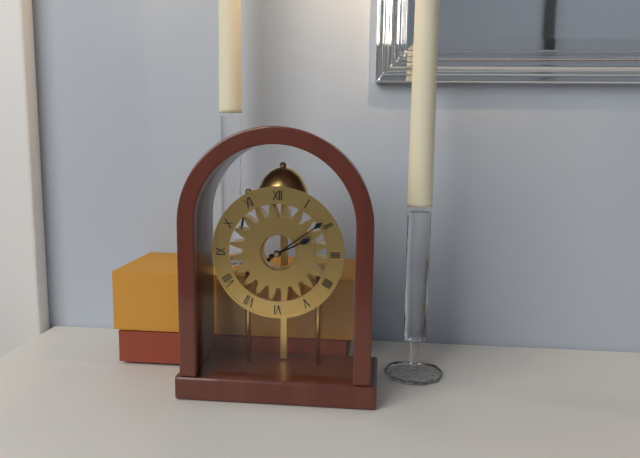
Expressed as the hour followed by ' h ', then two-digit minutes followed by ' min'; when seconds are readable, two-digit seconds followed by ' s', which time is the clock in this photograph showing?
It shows 2 h 09 min
